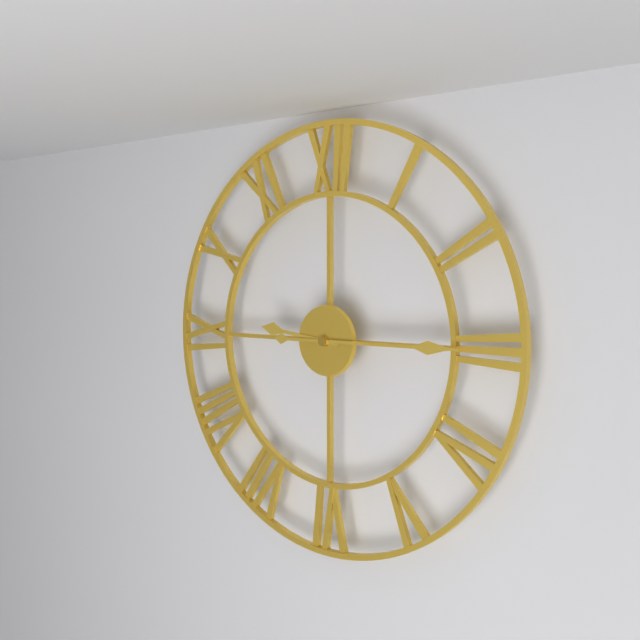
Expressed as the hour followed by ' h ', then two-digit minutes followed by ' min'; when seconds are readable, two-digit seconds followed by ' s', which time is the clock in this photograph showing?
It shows 9 h 15 min
